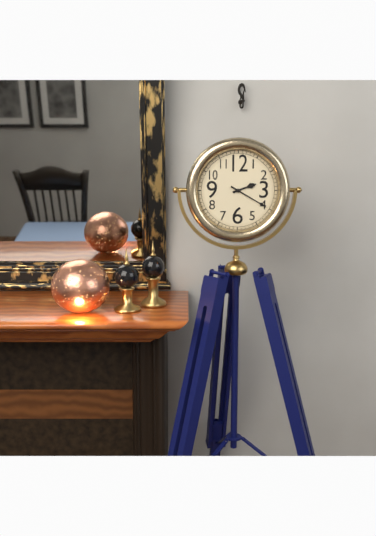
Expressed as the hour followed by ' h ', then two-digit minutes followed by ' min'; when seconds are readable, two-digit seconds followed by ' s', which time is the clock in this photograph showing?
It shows 2 h 20 min
